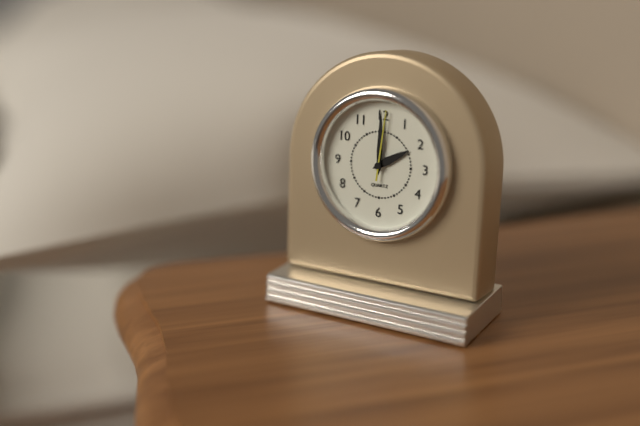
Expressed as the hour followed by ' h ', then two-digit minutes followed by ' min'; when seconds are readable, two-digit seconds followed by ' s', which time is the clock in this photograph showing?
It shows 2 h 00 min 01 s
